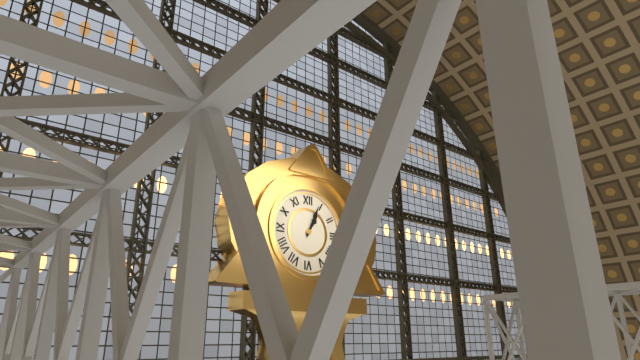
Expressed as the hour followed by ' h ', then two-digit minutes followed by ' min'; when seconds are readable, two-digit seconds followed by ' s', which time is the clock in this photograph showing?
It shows 1 h 04 min
